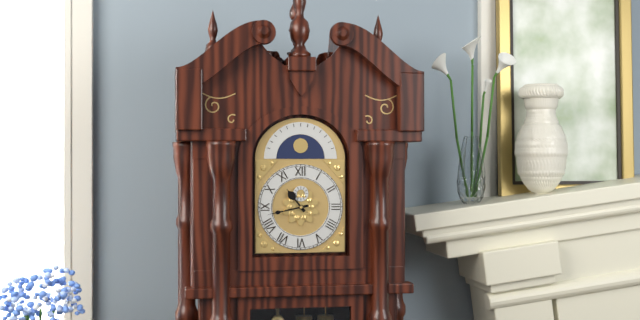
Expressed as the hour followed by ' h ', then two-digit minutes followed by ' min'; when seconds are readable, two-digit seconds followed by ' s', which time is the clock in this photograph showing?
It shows 10 h 43 min
